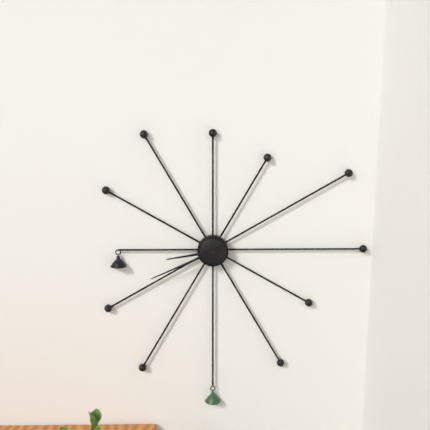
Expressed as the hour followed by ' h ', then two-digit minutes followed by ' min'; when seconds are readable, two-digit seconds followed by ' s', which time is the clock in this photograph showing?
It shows 8 h 41 min
